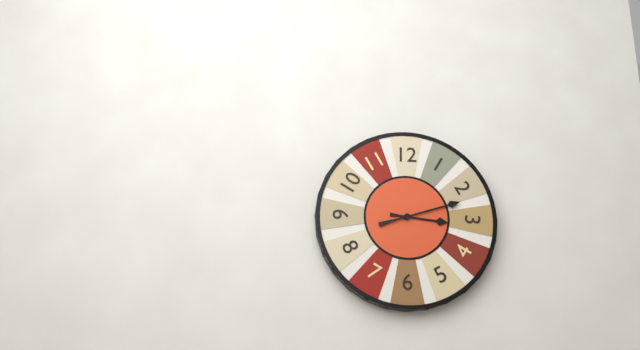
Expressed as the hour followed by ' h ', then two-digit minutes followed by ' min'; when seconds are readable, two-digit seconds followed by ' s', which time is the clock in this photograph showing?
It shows 3 h 12 min
